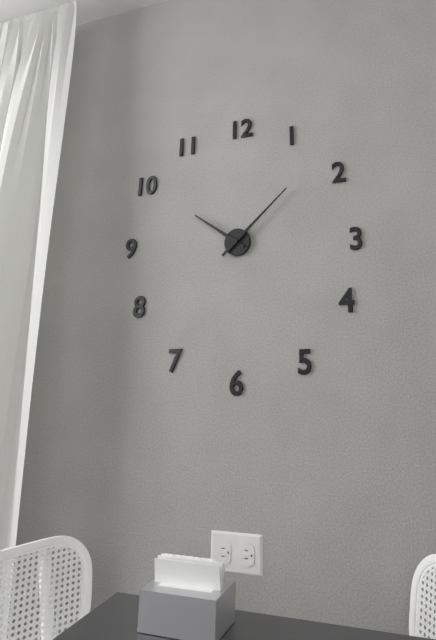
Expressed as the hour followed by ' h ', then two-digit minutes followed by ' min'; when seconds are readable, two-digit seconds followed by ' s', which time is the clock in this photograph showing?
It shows 10 h 08 min
